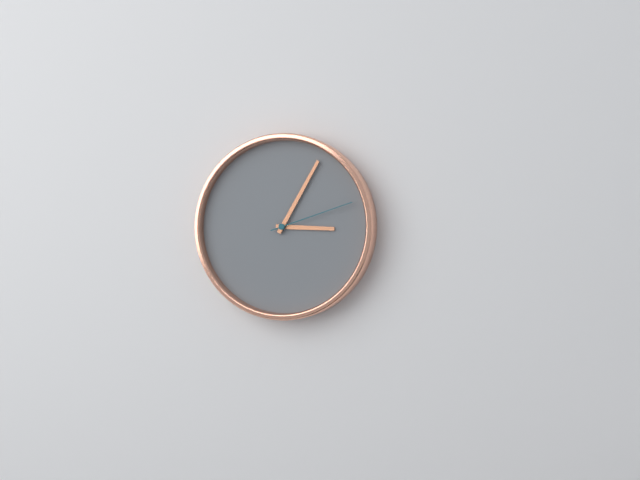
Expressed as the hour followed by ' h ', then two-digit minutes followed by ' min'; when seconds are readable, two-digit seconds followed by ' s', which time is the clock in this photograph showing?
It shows 3 h 05 min 12 s
